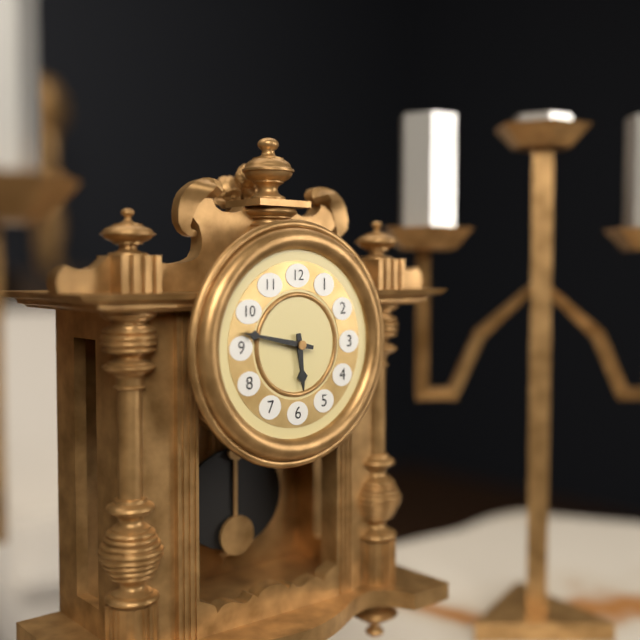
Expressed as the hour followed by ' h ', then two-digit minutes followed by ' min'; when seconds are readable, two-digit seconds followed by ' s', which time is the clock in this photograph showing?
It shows 5 h 47 min
